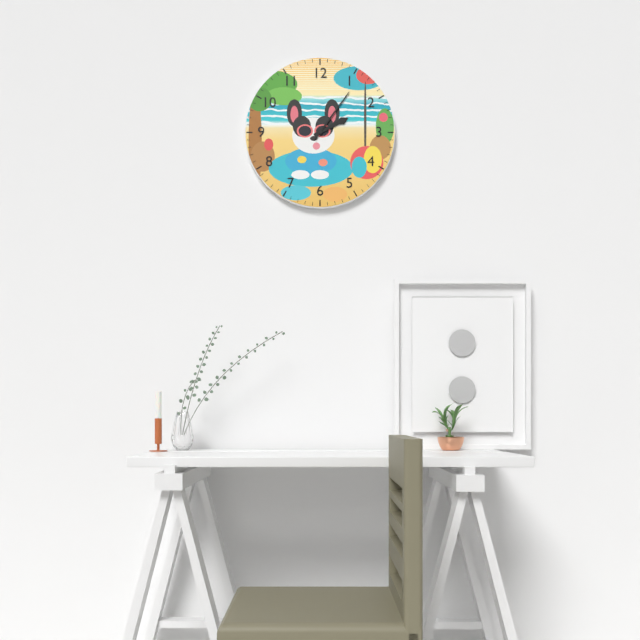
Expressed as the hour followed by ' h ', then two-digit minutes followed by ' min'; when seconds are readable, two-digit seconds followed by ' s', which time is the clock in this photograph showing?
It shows 2 h 06 min
